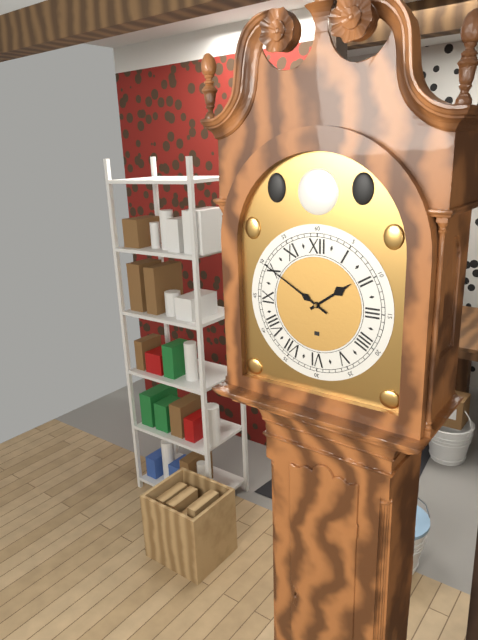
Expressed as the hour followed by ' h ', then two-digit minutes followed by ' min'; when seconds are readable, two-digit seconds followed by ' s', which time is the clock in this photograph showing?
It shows 1 h 50 min
